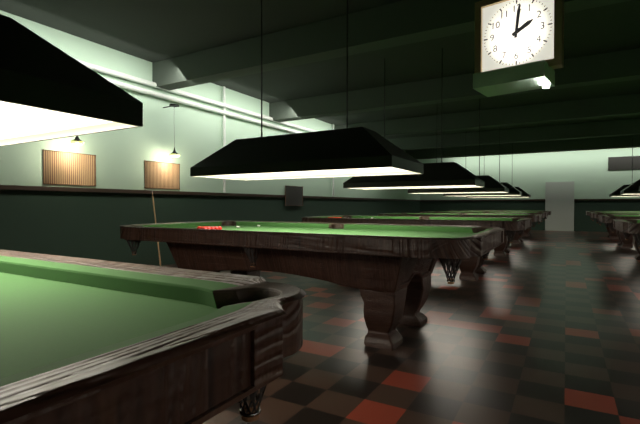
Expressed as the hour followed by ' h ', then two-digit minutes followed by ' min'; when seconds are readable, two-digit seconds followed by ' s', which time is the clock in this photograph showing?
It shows 2 h 01 min
